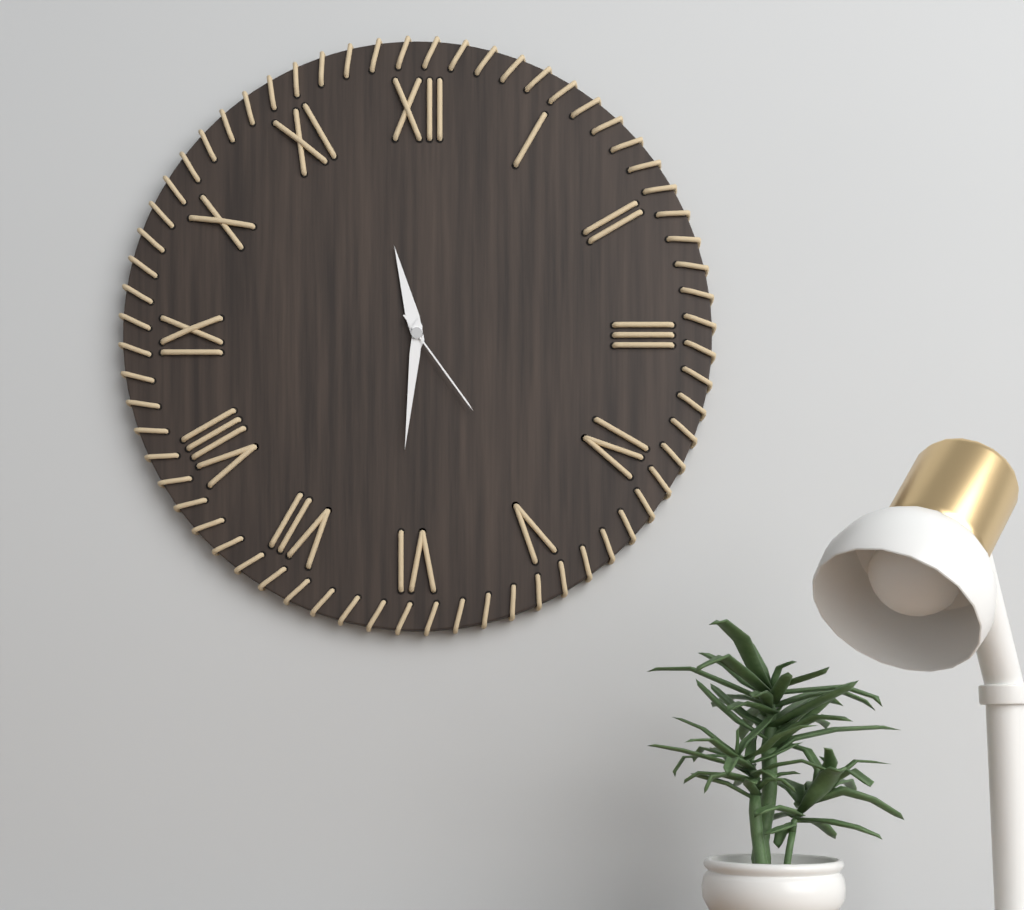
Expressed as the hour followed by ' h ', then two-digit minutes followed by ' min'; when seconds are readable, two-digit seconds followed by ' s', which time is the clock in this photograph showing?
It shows 11 h 31 min 24 s
